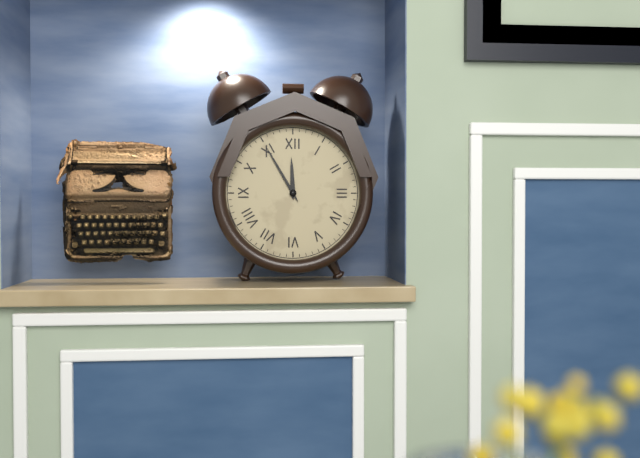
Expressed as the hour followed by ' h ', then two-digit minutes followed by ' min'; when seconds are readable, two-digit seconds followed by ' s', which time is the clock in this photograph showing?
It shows 11 h 55 min
